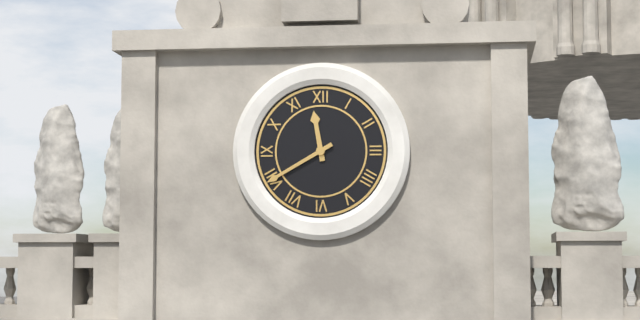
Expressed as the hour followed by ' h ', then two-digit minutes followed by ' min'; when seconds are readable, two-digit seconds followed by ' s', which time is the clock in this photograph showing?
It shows 11 h 40 min
